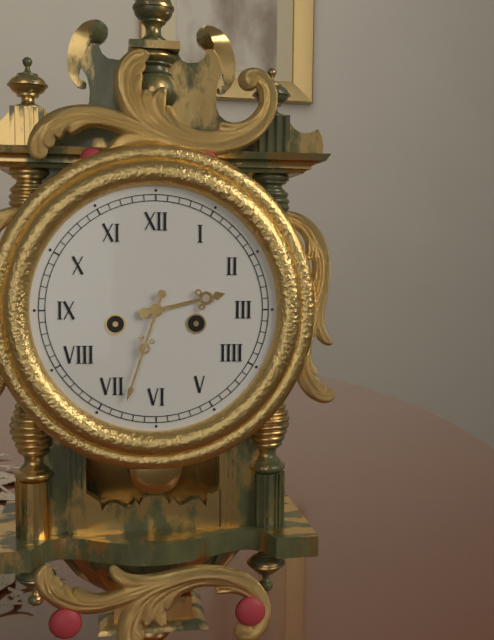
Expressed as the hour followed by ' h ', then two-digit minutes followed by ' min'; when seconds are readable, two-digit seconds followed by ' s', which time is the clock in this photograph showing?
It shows 2 h 33 min
